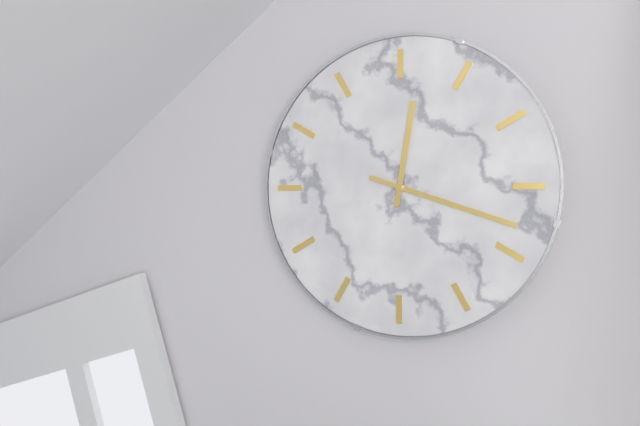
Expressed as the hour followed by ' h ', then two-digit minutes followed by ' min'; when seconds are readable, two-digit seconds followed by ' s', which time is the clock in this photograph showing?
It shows 12 h 18 min
